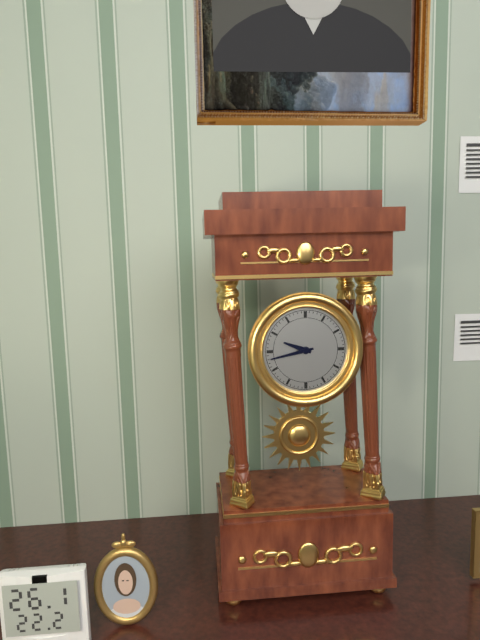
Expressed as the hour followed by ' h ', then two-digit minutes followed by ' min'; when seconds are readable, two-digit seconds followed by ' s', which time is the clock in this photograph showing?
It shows 9 h 43 min
